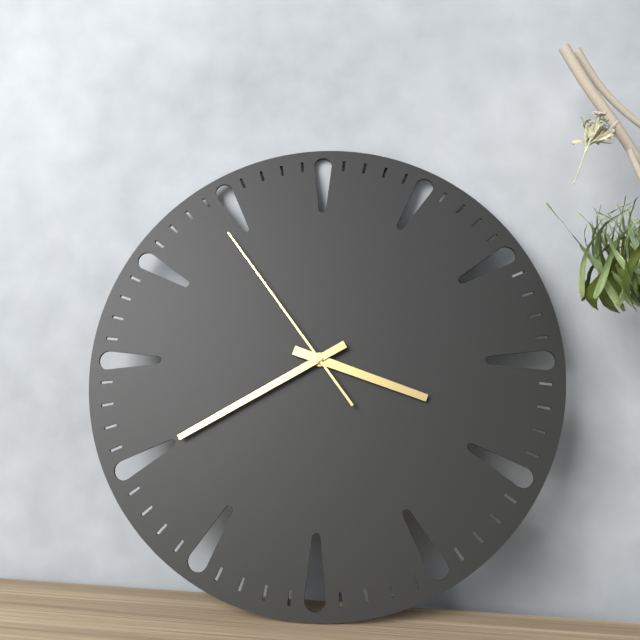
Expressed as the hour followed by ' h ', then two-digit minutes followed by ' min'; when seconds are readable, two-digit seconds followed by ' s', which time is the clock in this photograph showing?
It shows 3 h 40 min 54 s
